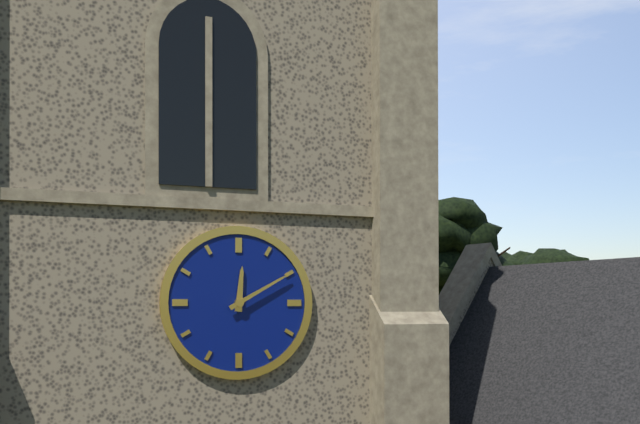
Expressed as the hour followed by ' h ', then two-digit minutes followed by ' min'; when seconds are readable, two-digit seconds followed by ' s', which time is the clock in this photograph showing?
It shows 12 h 10 min
